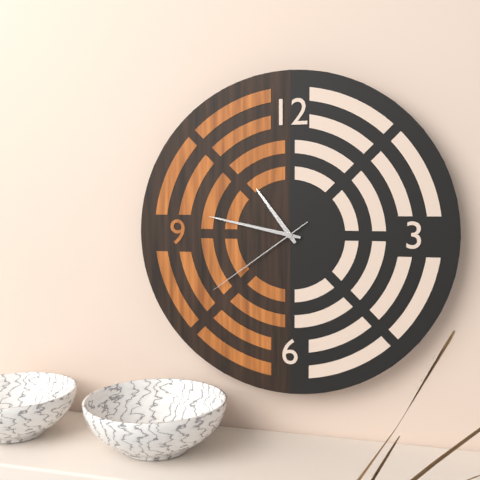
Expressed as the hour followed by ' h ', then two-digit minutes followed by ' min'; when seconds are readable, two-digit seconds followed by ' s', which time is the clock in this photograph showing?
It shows 10 h 47 min 39 s
